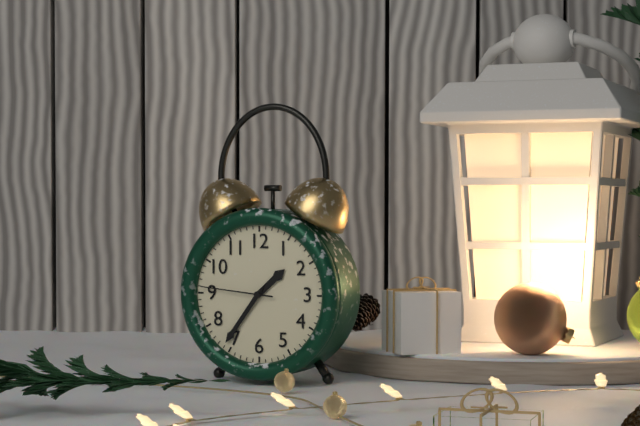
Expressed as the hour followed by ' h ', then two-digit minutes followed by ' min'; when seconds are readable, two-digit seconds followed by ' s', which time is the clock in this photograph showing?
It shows 1 h 36 min 46 s
